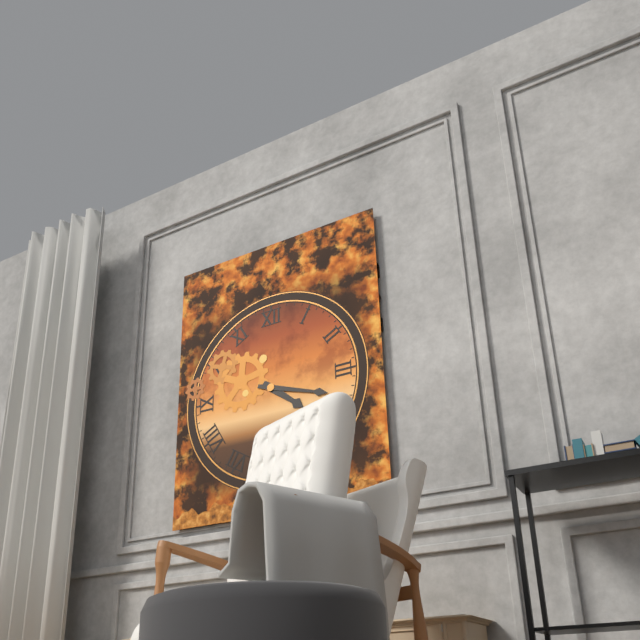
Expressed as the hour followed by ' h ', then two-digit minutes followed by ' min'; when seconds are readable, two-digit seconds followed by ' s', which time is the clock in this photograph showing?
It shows 4 h 18 min
